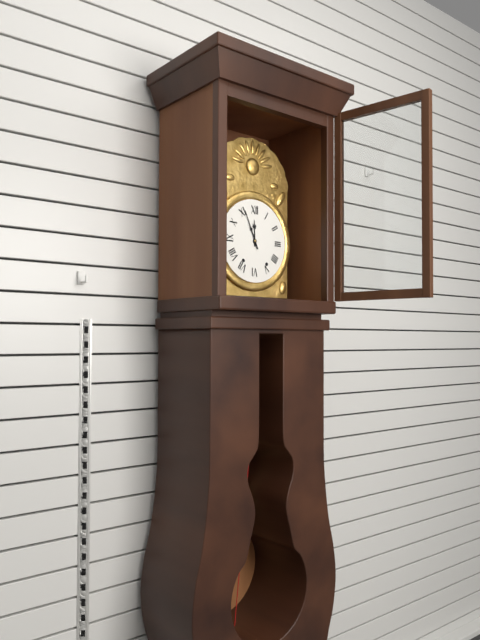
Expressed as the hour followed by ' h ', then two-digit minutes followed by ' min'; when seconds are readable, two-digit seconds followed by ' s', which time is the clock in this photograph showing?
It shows 11 h 56 min
